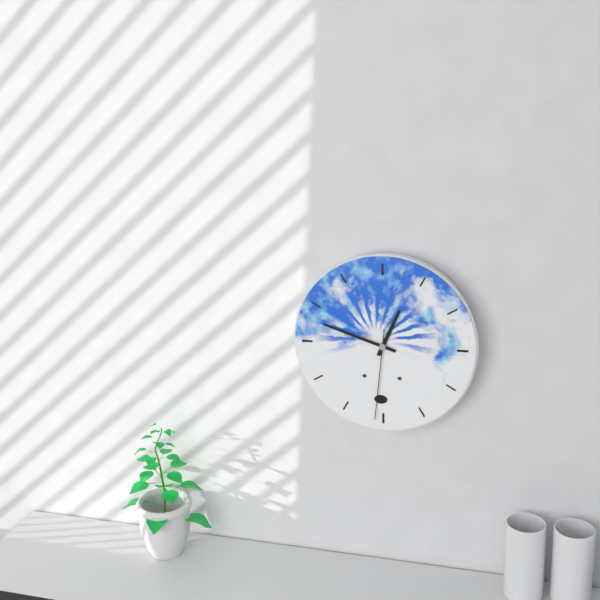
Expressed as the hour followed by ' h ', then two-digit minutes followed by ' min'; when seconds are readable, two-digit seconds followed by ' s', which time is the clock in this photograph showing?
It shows 12 h 48 min 31 s
